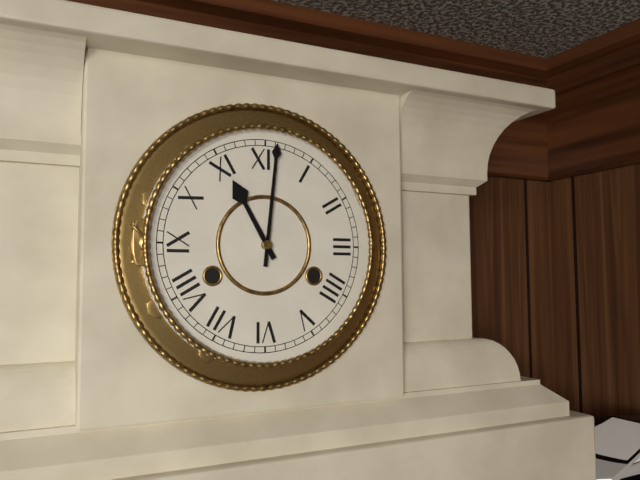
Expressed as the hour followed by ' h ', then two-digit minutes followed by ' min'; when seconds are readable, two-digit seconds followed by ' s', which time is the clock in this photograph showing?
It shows 11 h 01 min
